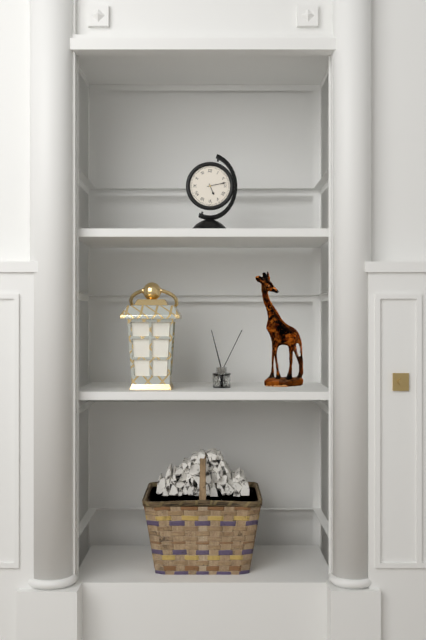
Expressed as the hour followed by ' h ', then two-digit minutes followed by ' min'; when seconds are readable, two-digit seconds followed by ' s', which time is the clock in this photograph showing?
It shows 5 h 13 min
